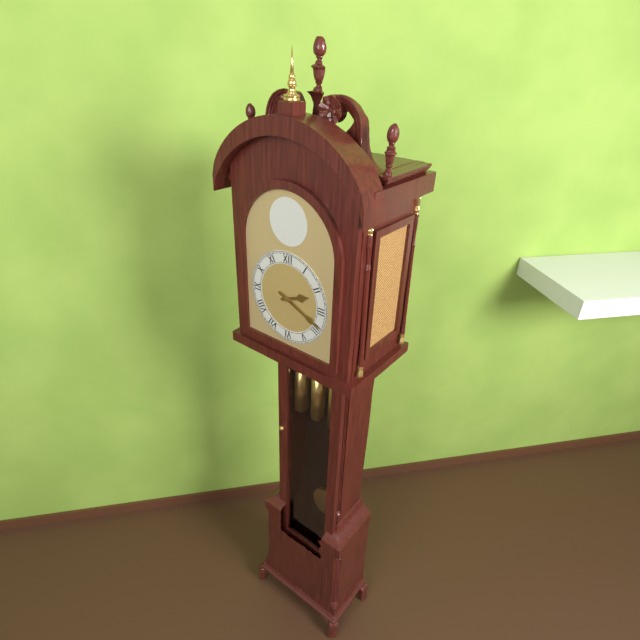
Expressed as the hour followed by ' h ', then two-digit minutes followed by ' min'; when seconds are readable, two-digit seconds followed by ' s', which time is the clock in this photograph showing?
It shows 2 h 19 min
